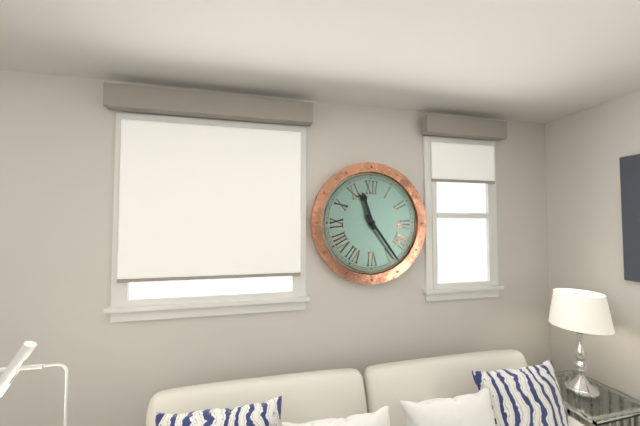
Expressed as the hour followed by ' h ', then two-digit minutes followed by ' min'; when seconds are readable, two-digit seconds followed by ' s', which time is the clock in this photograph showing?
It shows 11 h 24 min
